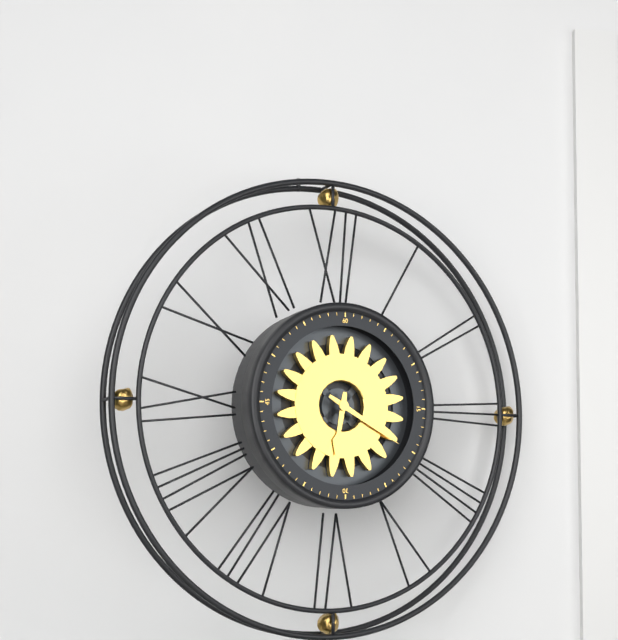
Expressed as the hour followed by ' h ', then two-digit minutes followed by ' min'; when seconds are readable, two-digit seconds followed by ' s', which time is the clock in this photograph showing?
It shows 6 h 20 min
